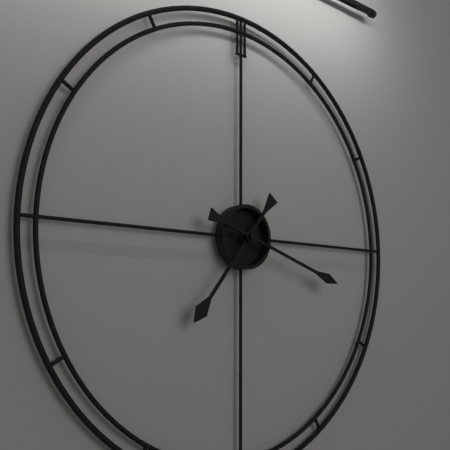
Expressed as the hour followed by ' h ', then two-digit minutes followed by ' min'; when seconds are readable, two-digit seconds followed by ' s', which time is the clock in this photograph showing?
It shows 7 h 18 min
